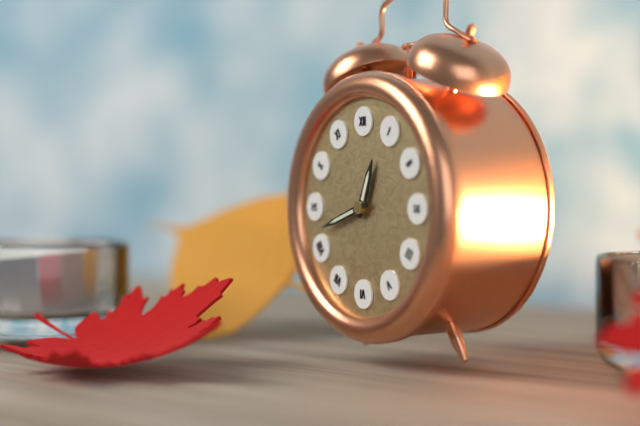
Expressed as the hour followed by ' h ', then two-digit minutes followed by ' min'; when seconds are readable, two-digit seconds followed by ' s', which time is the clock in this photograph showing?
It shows 12 h 42 min
